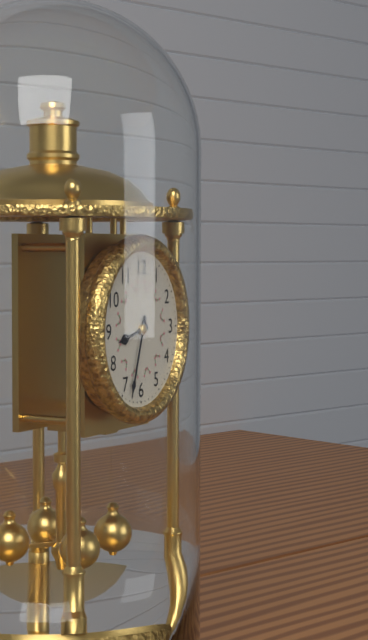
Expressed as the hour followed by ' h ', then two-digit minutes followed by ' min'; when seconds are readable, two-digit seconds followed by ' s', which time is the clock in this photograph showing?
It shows 8 h 33 min
